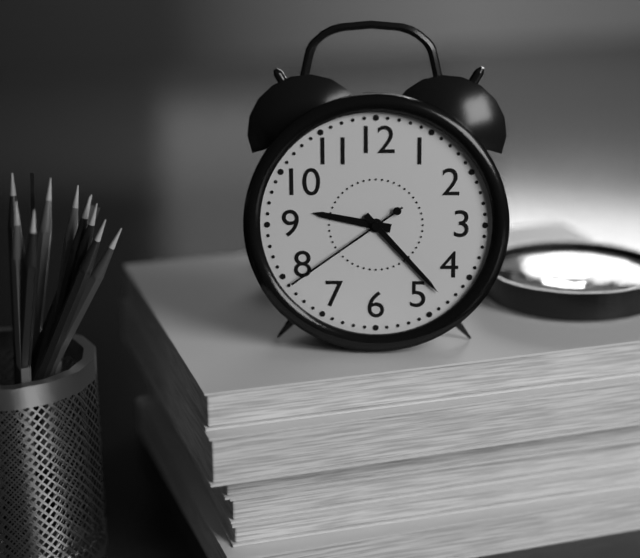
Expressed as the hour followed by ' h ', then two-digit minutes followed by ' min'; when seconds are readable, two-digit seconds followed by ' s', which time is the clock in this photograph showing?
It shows 9 h 23 min 39 s
